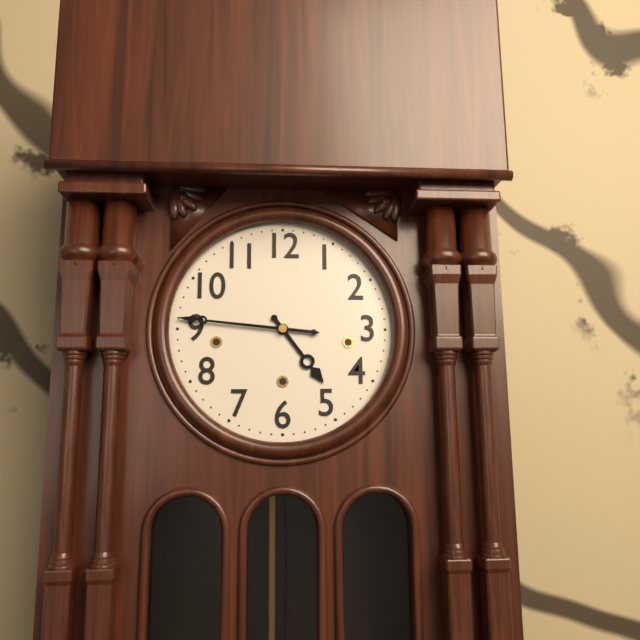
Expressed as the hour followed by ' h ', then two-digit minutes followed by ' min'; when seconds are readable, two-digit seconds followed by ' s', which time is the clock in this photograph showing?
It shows 4 h 46 min
